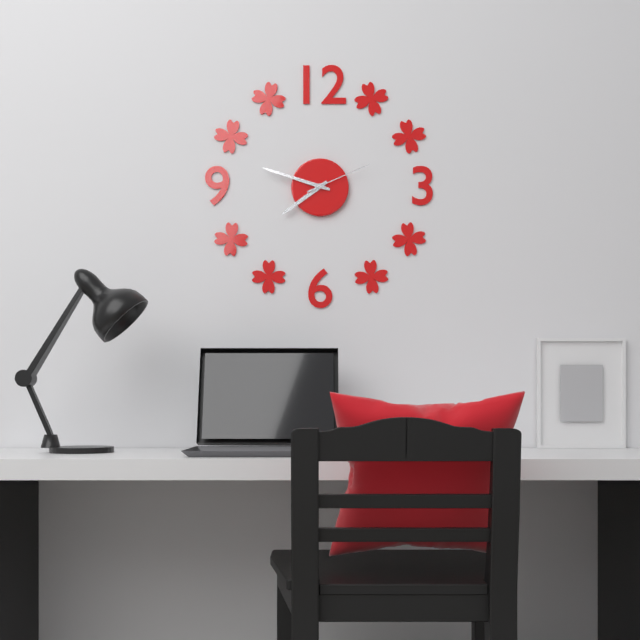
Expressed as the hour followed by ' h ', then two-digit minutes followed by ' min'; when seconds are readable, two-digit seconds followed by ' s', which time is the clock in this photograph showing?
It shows 7 h 48 min 11 s
